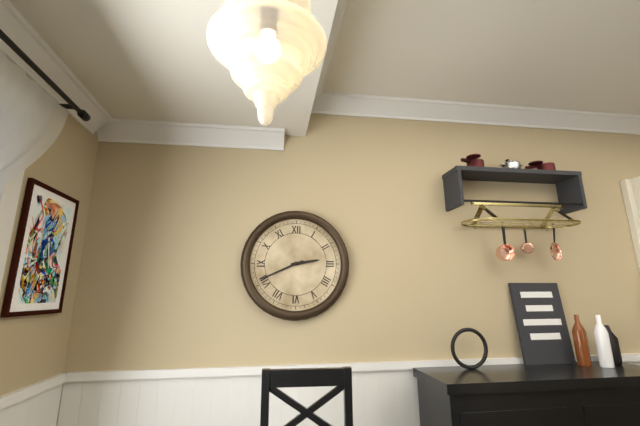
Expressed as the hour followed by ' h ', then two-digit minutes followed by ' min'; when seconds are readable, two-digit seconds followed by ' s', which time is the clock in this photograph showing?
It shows 2 h 41 min
